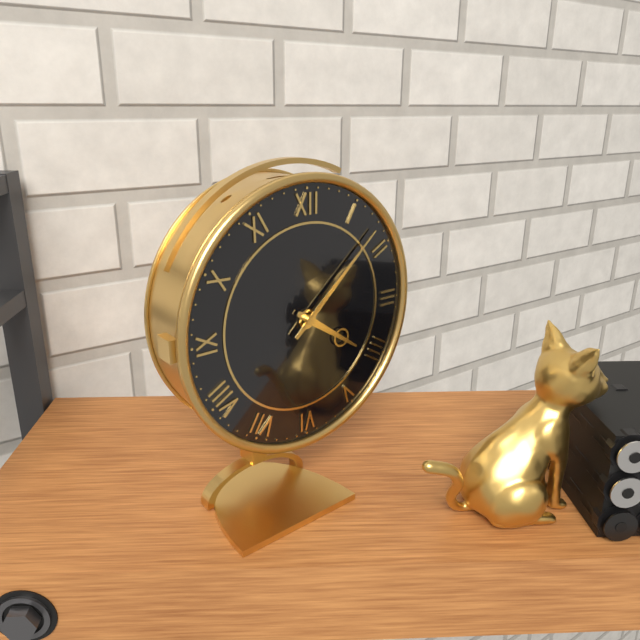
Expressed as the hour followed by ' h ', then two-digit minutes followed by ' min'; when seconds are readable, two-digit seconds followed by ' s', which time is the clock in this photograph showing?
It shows 4 h 08 min
